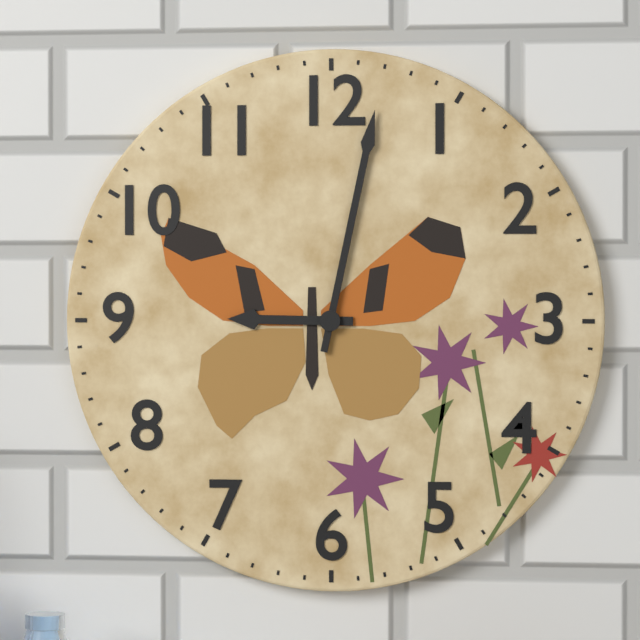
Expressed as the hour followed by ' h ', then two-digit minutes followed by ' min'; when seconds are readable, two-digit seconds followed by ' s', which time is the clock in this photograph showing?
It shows 9 h 02 min
